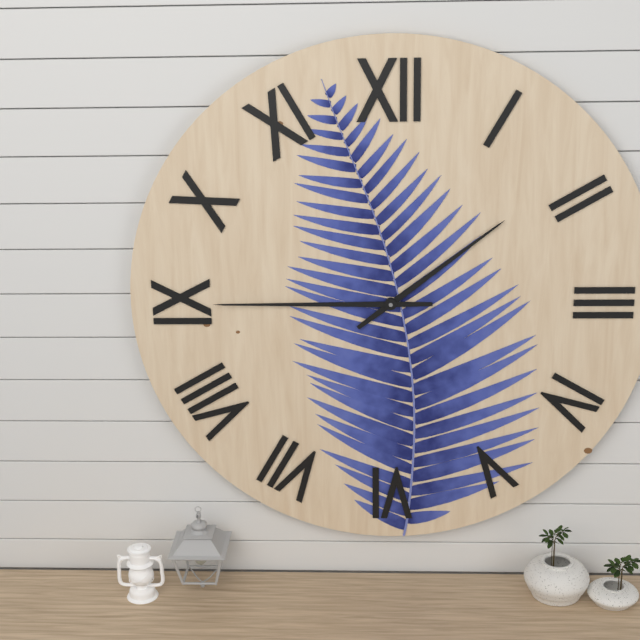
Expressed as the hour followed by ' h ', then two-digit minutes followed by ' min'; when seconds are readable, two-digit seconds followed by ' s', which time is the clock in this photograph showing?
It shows 1 h 45 min
